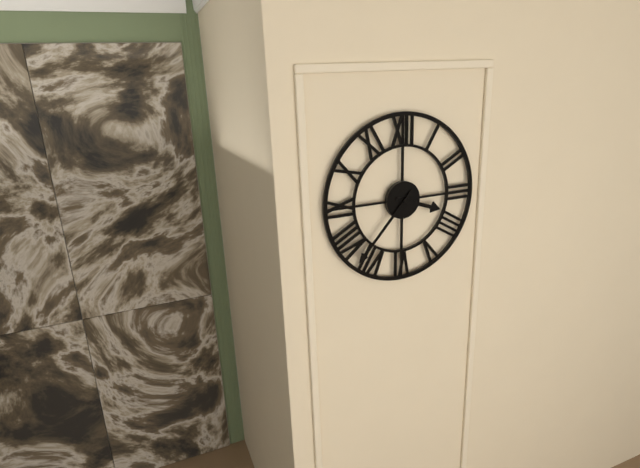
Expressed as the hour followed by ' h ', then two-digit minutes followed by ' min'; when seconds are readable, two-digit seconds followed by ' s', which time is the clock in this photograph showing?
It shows 3 h 37 min
